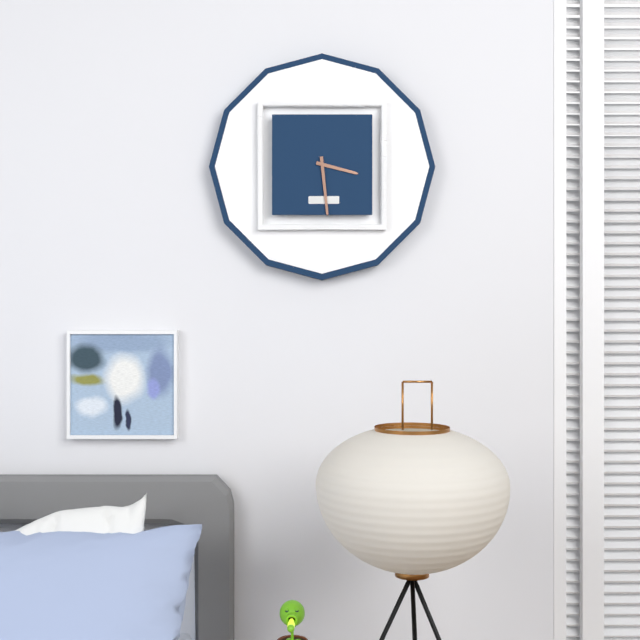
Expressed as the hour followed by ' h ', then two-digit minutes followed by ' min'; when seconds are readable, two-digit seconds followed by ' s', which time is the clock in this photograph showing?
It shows 3 h 29 min
